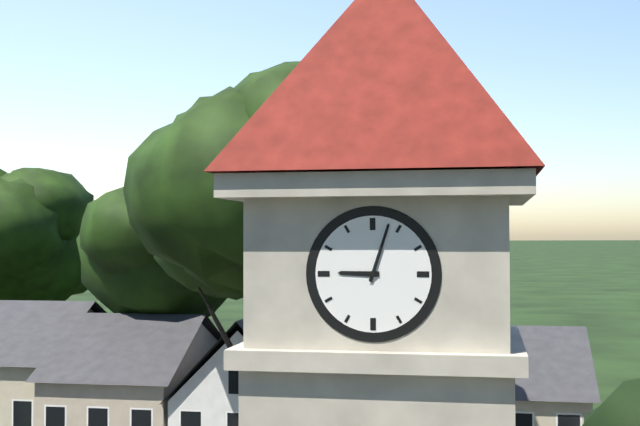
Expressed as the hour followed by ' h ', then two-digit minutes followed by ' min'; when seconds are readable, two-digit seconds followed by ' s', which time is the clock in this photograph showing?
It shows 9 h 03 min
